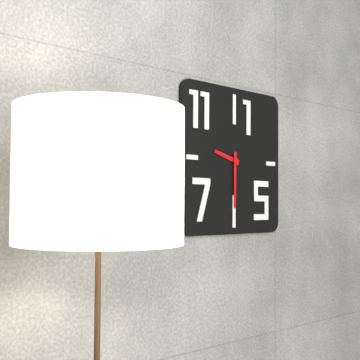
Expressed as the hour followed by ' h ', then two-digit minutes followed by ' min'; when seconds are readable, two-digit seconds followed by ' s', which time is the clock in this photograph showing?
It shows 9 h 30 min
